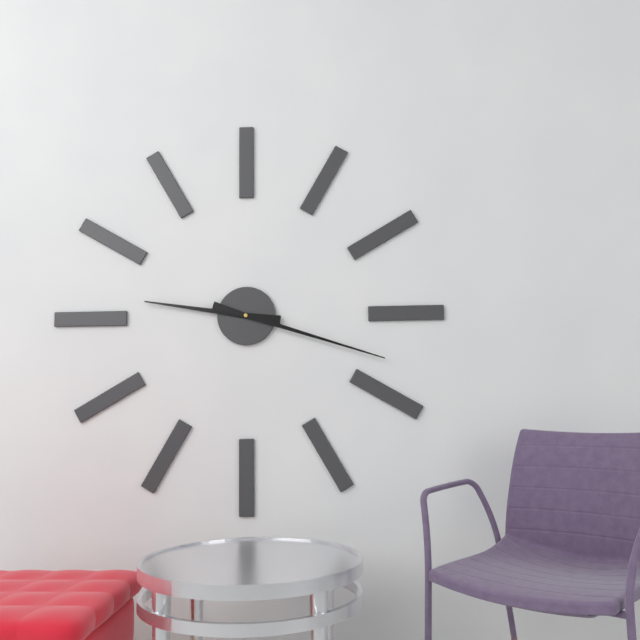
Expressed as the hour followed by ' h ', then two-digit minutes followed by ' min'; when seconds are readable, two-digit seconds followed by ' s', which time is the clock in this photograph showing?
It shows 9 h 18 min
